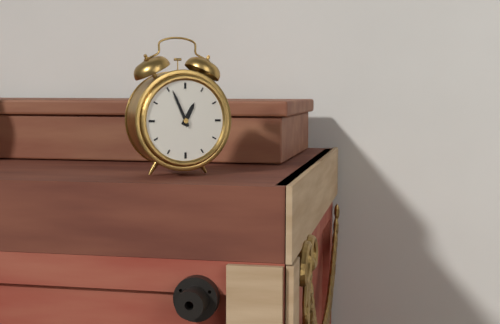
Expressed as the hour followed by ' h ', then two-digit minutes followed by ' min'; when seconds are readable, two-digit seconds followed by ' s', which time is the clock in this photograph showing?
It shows 12 h 56 min
